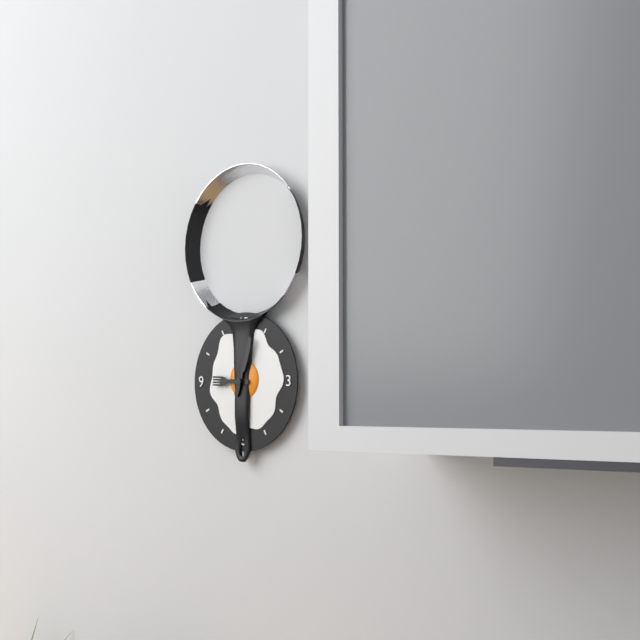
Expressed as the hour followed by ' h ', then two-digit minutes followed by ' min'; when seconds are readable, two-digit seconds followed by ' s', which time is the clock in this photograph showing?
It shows 9 h 03 min
